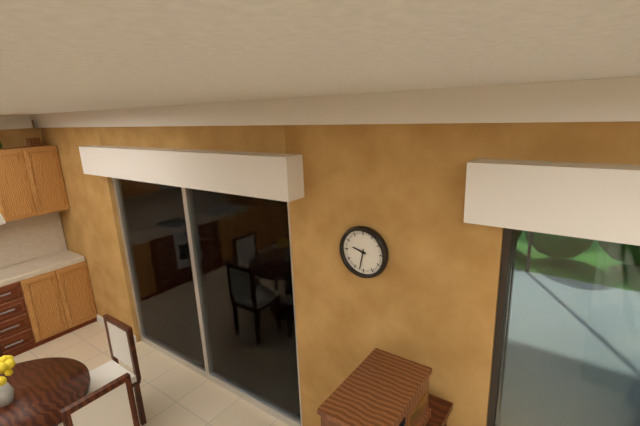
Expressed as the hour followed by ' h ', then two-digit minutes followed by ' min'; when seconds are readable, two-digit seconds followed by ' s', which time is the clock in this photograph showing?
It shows 9 h 32 min
